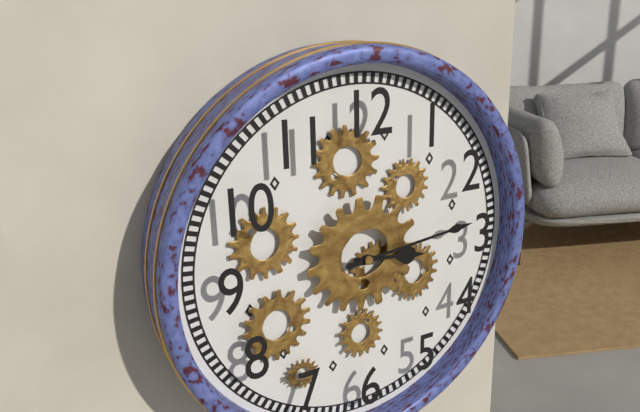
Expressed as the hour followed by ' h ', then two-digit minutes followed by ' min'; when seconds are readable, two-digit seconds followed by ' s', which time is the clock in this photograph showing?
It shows 3 h 14 min
